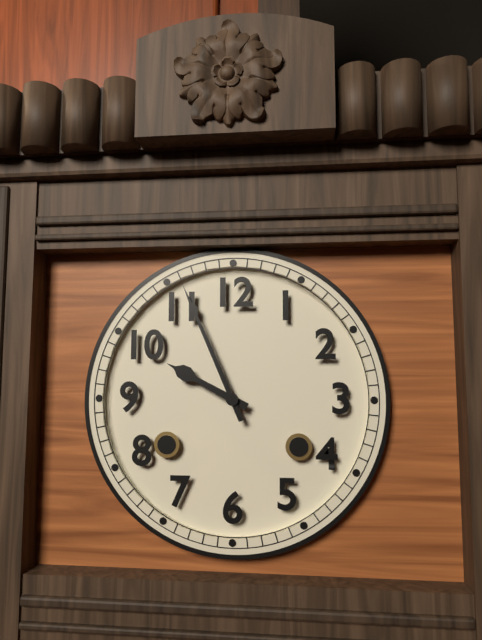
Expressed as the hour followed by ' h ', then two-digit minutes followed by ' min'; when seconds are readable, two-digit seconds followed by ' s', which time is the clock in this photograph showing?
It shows 9 h 56 min
